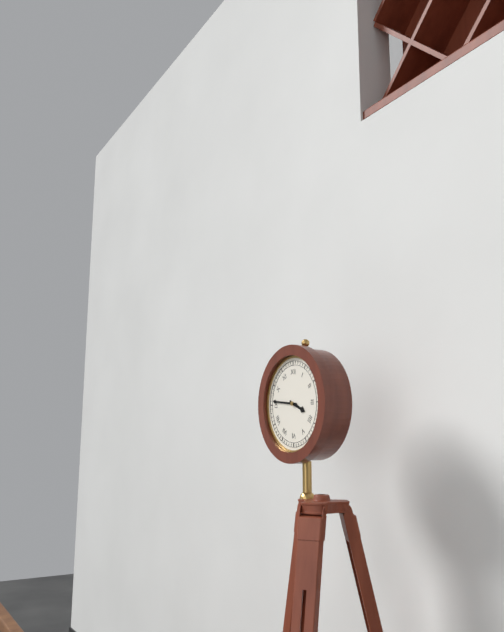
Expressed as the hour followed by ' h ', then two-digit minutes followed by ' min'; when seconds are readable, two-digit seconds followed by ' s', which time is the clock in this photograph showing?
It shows 3 h 46 min
